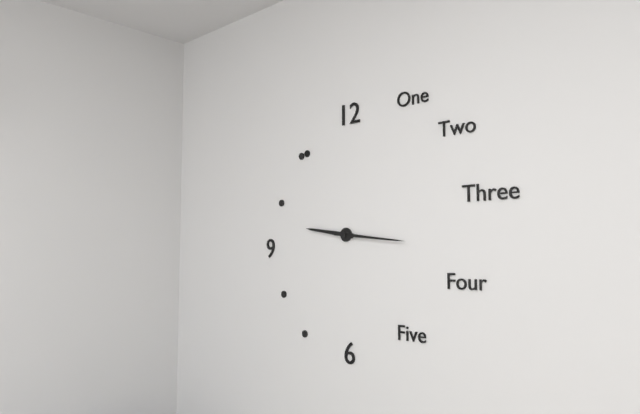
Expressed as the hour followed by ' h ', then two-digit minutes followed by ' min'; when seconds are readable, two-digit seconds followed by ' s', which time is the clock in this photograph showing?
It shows 9 h 16 min
